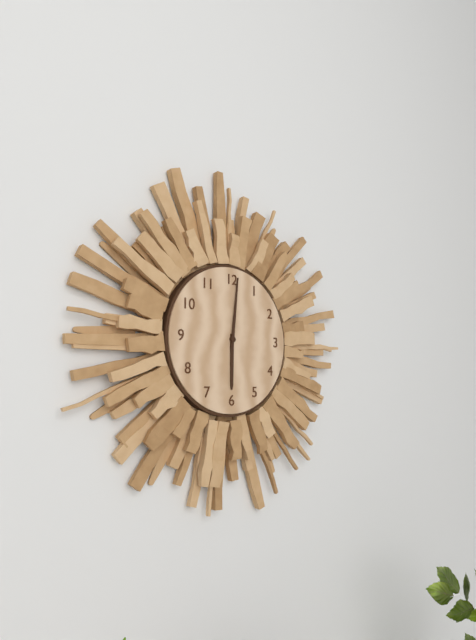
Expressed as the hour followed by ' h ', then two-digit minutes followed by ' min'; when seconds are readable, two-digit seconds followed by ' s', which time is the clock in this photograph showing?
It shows 6 h 01 min
